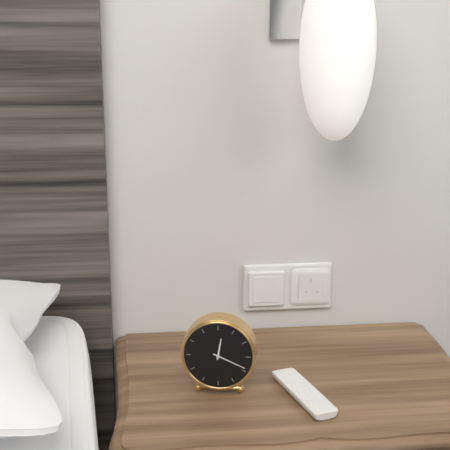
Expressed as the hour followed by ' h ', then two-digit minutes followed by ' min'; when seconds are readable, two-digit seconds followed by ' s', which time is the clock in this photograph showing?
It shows 12 h 19 min
